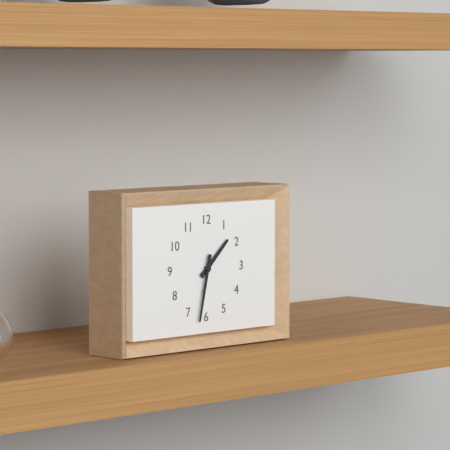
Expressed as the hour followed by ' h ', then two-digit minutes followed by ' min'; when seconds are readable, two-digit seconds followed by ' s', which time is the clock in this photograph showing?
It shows 1 h 32 min
